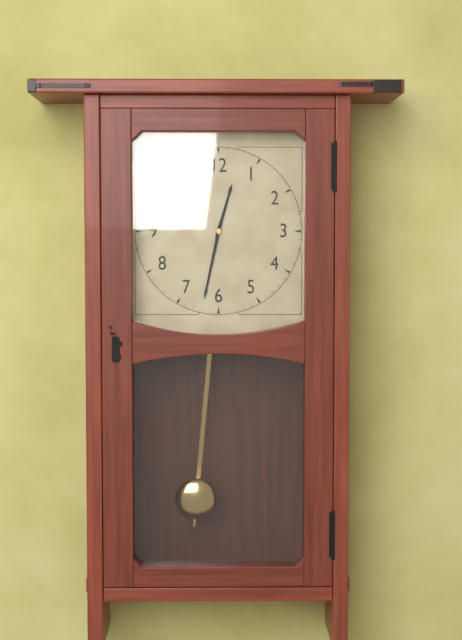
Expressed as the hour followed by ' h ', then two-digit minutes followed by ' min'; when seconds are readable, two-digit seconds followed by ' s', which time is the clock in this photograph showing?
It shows 12 h 32 min
